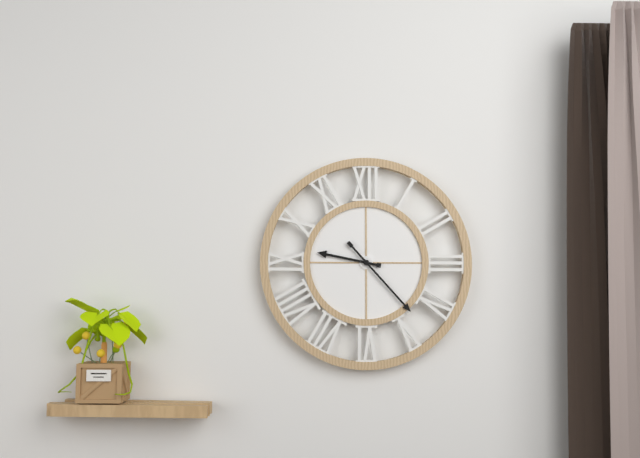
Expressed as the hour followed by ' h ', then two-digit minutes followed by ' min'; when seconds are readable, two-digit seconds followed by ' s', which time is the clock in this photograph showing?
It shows 9 h 23 min
